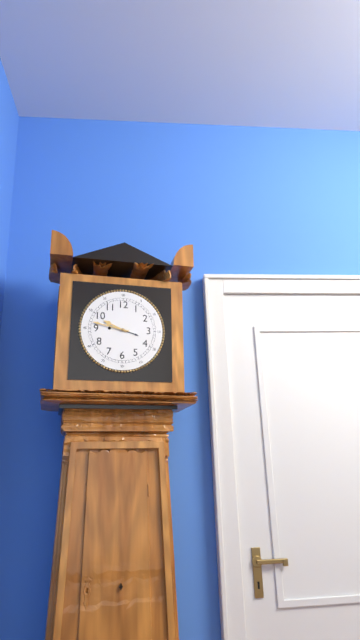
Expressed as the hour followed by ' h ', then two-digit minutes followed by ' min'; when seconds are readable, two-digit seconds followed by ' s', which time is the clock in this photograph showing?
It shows 9 h 47 min
